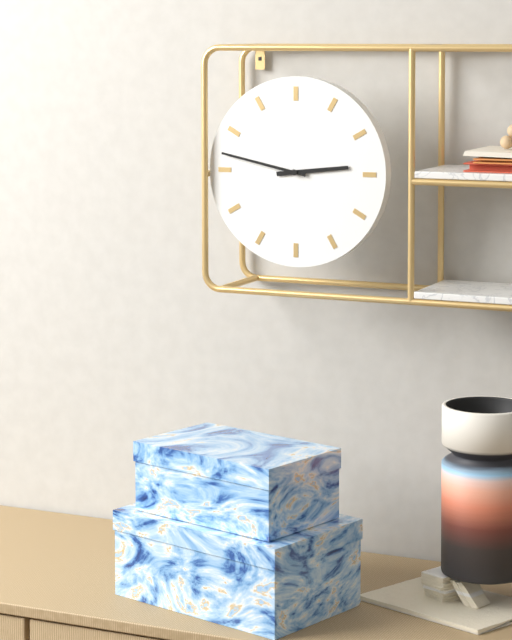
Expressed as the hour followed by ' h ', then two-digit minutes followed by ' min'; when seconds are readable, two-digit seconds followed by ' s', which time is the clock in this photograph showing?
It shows 2 h 47 min
